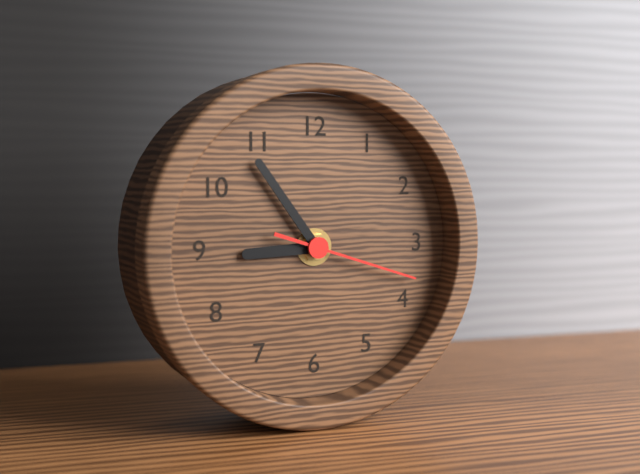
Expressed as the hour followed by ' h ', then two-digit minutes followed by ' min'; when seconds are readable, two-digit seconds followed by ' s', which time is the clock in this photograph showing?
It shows 8 h 54 min 18 s
